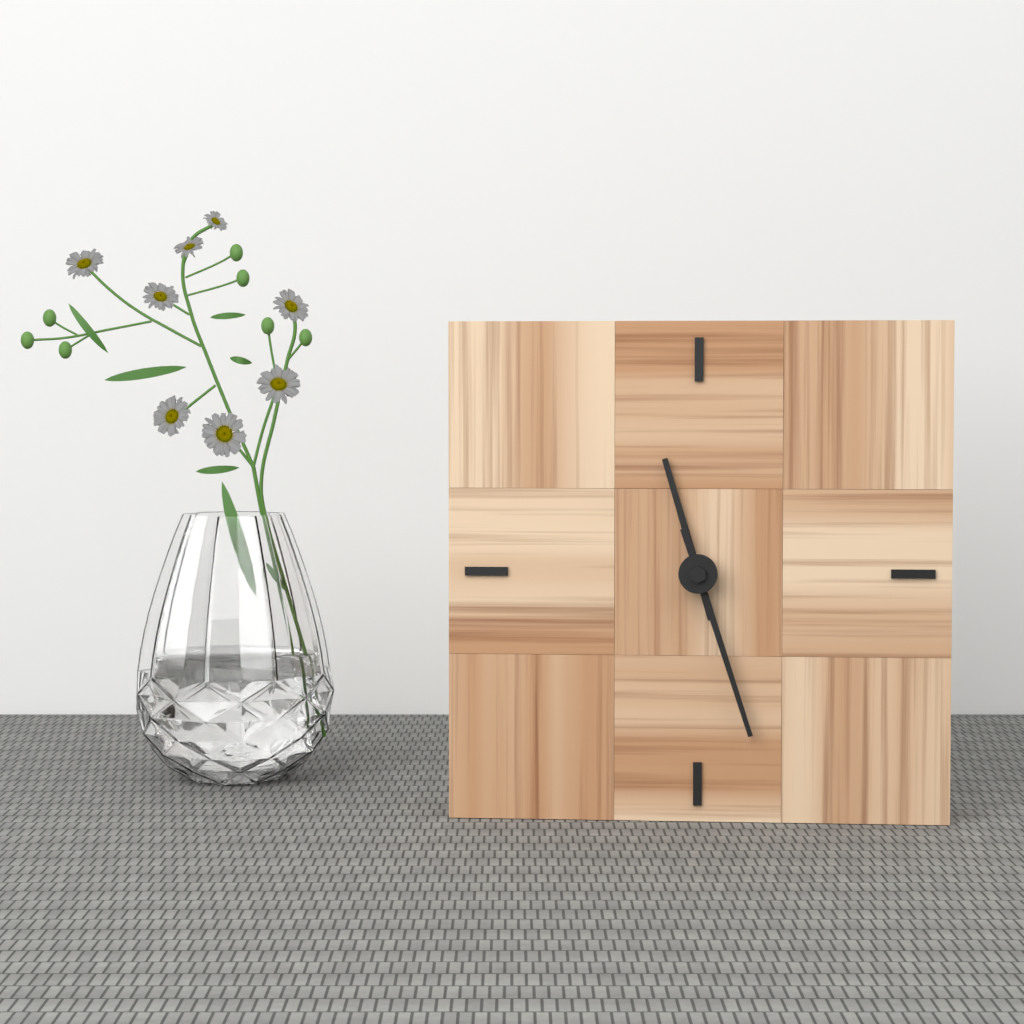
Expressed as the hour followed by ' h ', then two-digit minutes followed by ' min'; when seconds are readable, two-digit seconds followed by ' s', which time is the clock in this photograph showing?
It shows 11 h 27 min
